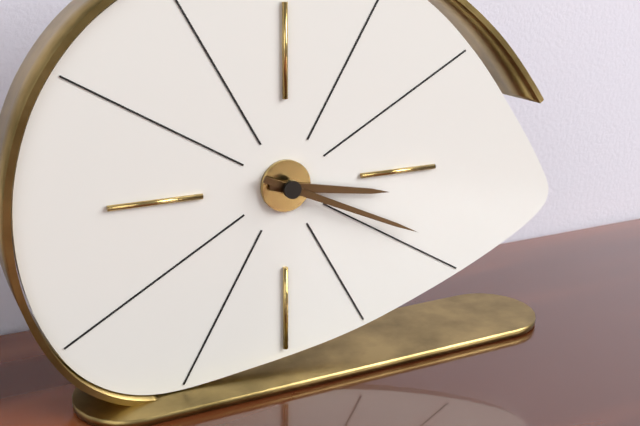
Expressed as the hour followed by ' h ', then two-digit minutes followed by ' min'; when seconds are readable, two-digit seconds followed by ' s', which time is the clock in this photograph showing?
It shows 3 h 19 min
